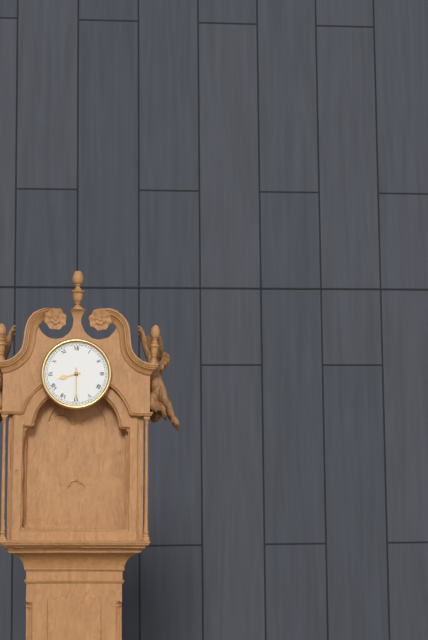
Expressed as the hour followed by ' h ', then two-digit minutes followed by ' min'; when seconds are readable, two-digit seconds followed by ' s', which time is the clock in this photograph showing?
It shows 8 h 30 min
